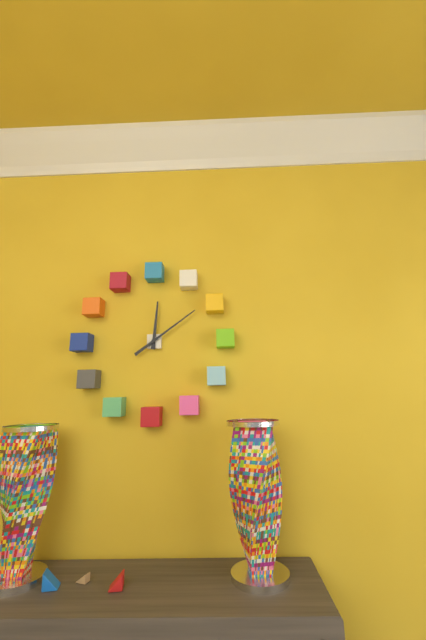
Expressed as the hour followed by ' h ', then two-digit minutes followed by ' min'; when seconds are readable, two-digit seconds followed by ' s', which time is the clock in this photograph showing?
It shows 12 h 09 min
